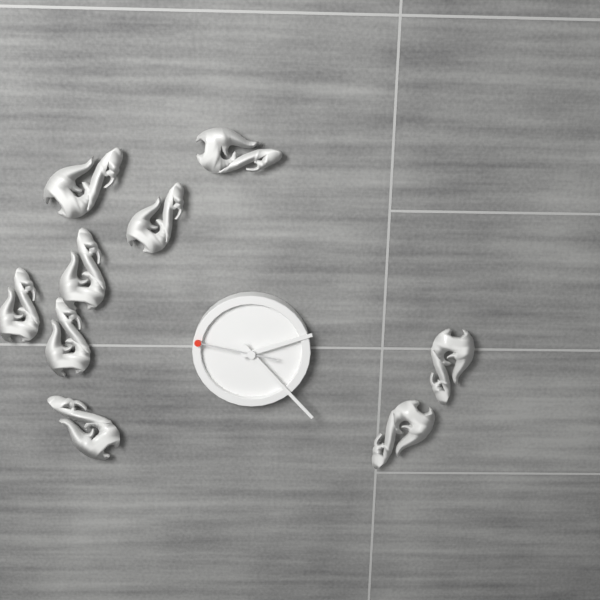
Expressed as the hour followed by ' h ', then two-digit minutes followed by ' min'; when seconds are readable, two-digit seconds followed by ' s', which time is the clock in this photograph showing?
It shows 2 h 23 min 47 s
